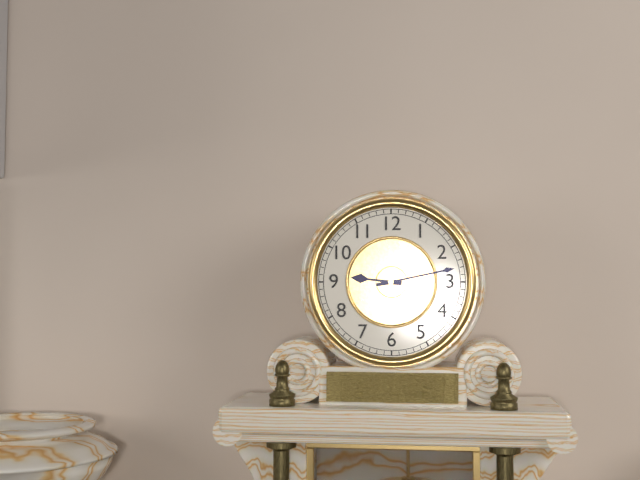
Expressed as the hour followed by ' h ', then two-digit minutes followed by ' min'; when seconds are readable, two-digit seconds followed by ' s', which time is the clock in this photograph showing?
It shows 9 h 13 min
